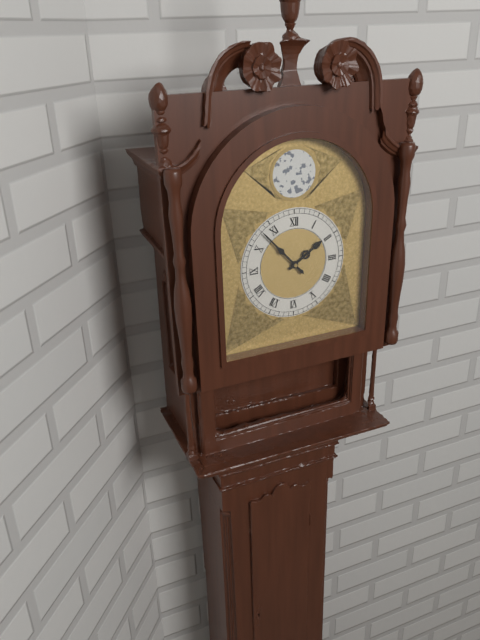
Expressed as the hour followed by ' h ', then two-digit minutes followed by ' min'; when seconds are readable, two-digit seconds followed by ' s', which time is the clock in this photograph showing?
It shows 1 h 53 min
